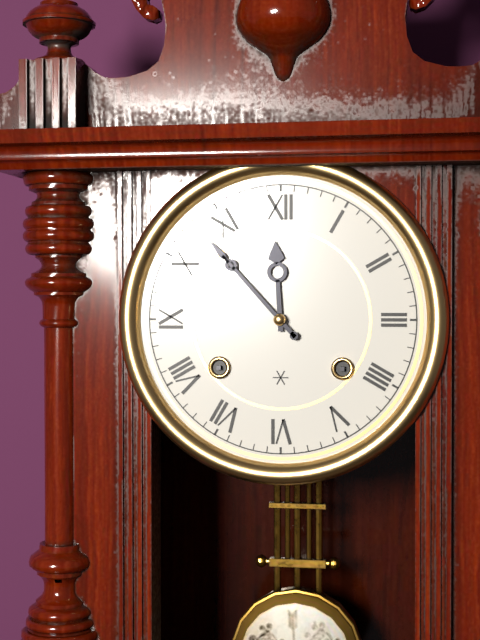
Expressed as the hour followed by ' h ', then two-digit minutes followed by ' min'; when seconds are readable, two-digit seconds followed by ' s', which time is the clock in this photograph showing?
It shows 11 h 53 min
